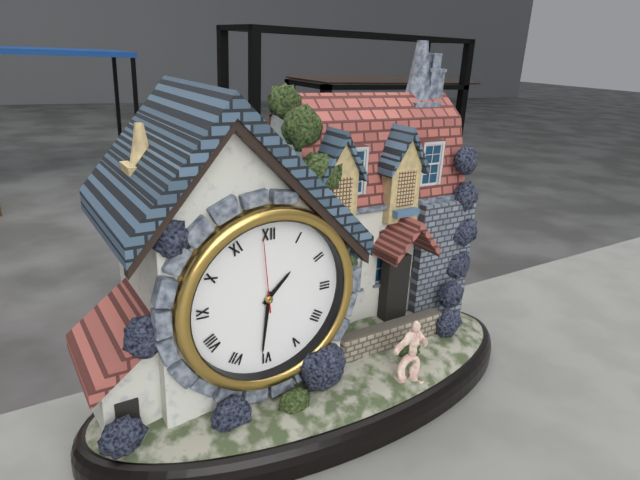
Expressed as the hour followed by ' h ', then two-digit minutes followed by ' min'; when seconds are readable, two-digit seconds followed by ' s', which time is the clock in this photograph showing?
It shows 1 h 31 min 59 s
